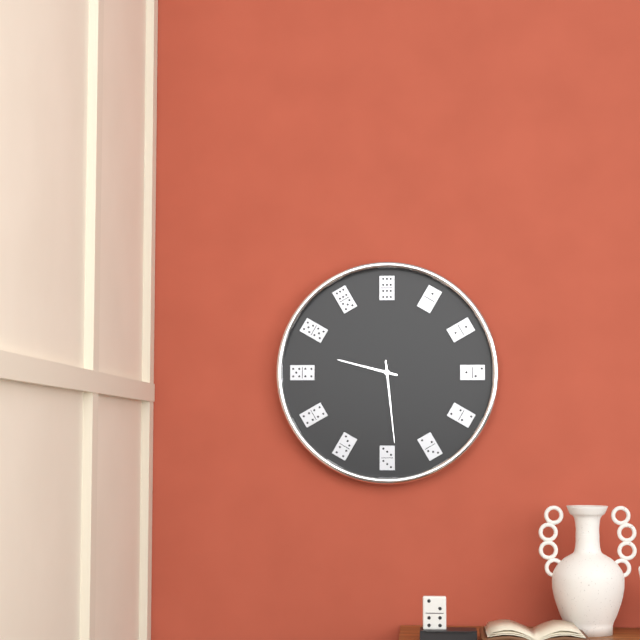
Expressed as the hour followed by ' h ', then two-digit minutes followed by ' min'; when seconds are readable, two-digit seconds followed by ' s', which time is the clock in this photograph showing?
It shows 9 h 29 min
